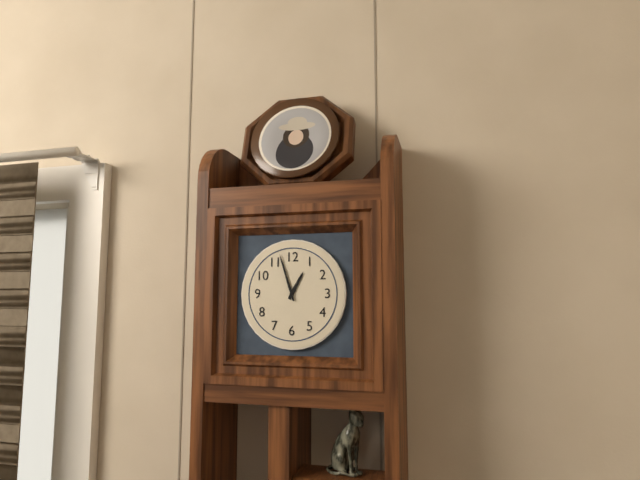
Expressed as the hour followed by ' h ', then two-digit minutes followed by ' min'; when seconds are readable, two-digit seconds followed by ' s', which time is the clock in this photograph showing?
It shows 12 h 57 min
